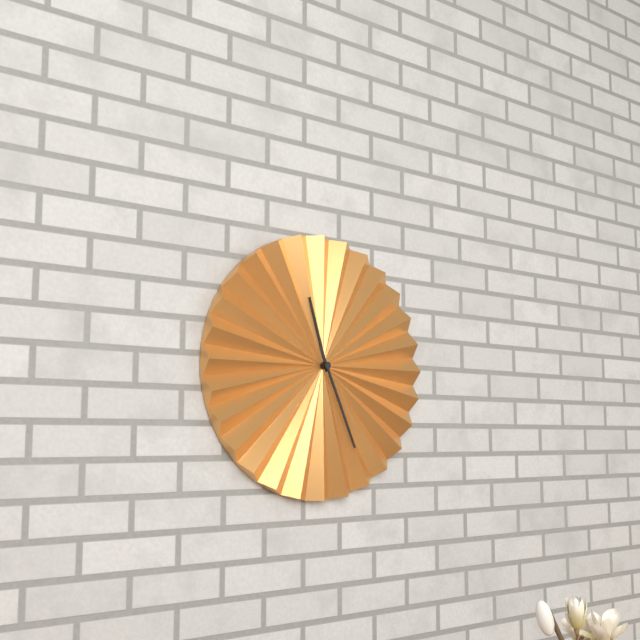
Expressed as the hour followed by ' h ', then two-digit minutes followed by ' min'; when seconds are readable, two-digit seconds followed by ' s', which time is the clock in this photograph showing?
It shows 11 h 26 min
